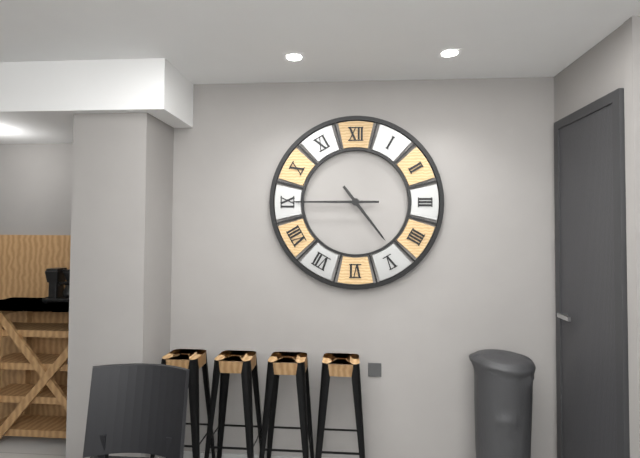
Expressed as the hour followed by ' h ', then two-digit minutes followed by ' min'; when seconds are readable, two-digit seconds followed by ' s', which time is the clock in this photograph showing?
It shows 4 h 45 min
